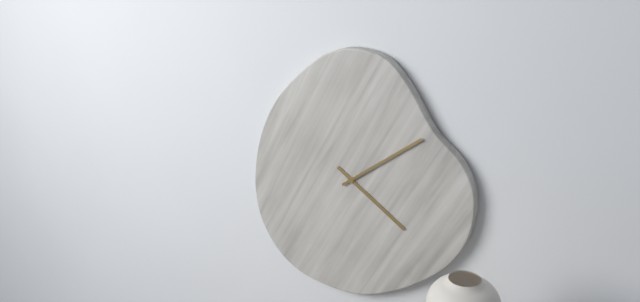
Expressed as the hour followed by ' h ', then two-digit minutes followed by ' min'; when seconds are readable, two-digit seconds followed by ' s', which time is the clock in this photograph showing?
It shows 4 h 09 min
